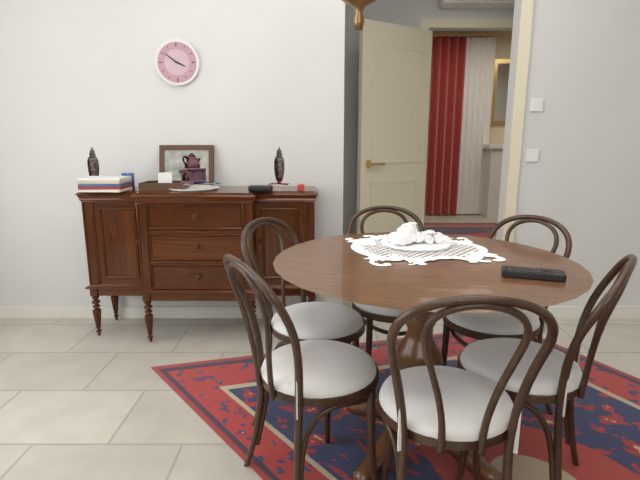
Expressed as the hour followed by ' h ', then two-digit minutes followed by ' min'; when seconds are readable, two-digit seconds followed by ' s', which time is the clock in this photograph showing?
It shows 3 h 51 min
